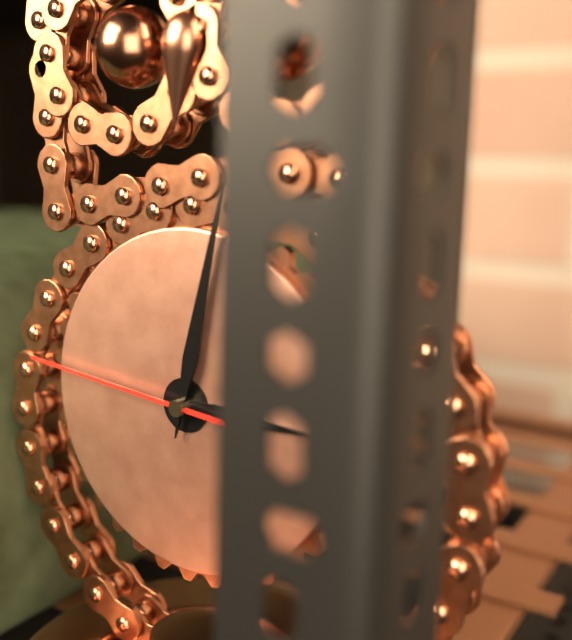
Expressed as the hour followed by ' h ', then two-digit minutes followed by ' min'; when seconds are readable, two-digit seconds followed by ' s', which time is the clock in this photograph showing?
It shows 3 h 02 min 46 s
